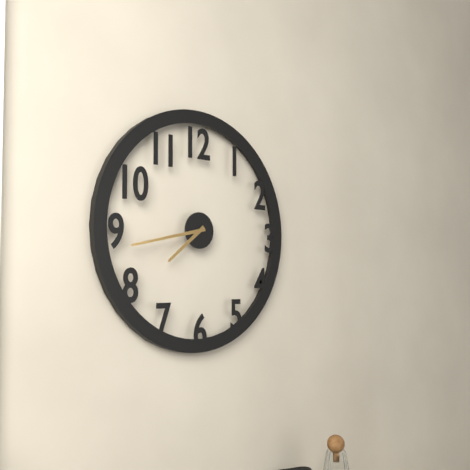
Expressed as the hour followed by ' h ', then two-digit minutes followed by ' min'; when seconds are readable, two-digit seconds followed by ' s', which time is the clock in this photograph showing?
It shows 7 h 43 min
